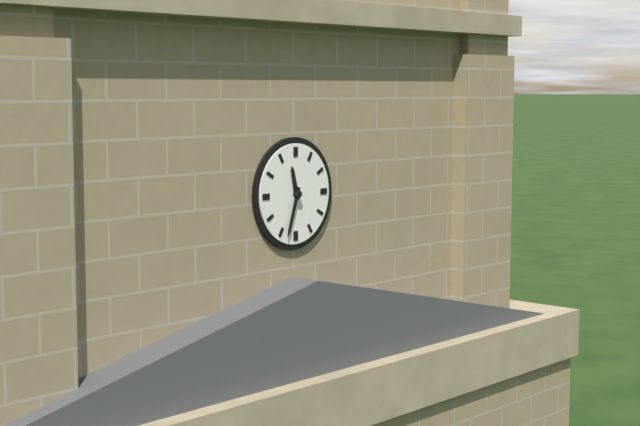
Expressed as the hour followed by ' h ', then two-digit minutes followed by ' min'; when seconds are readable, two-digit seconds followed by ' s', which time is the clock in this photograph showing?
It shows 11 h 33 min
